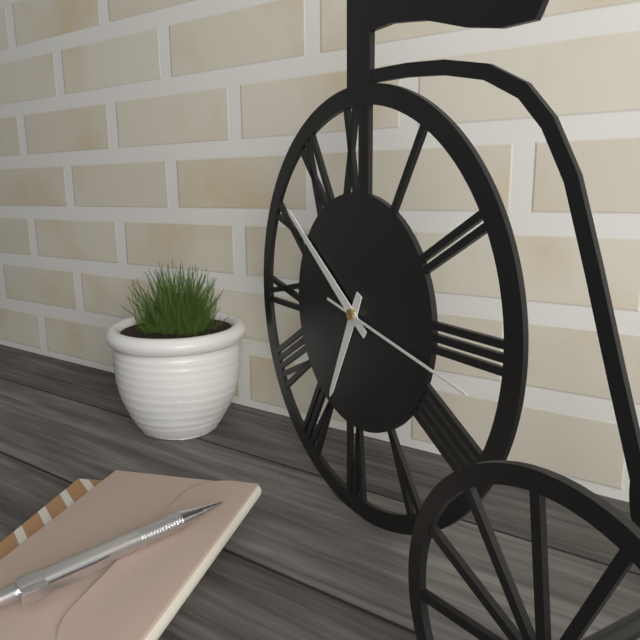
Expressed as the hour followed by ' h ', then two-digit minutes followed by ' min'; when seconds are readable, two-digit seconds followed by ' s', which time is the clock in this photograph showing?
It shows 6 h 51 min 17 s
